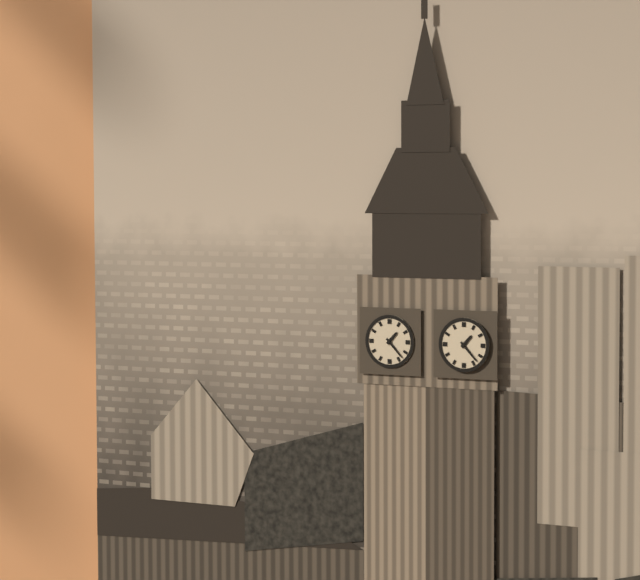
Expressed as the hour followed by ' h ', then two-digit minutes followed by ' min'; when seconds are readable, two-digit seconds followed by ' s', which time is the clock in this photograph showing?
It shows 1 h 23 min
